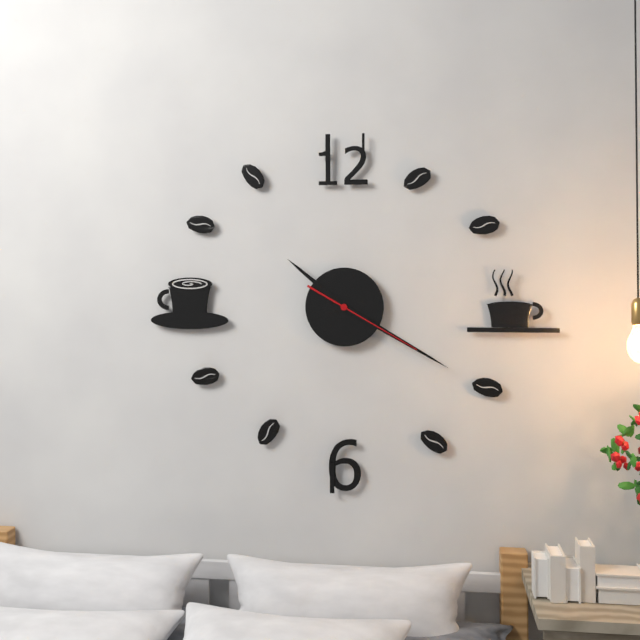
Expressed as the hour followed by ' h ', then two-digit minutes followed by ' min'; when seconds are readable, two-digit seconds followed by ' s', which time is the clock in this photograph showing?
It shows 10 h 20 min 20 s
